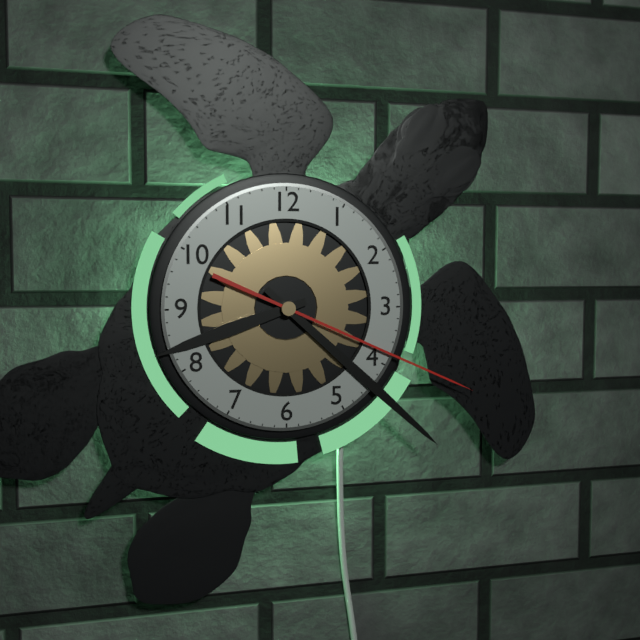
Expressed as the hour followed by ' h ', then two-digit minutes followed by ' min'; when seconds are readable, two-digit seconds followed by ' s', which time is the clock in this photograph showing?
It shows 8 h 22 min 19 s
